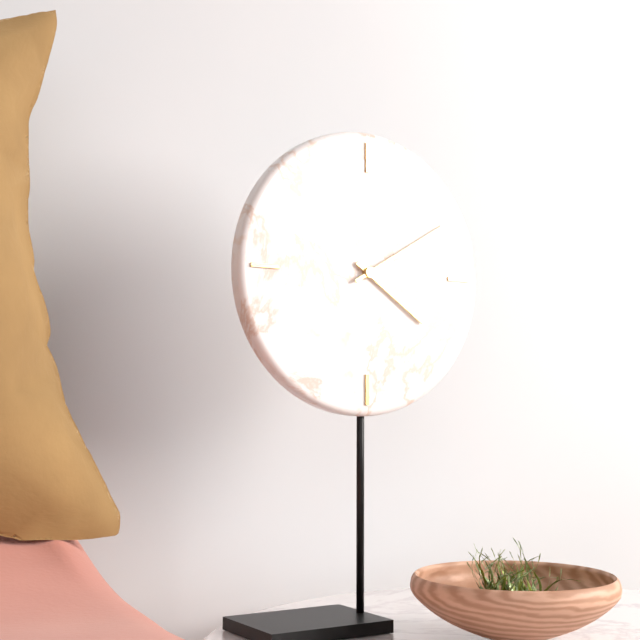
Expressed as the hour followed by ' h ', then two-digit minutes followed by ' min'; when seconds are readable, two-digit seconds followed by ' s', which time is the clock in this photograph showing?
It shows 4 h 10 min
